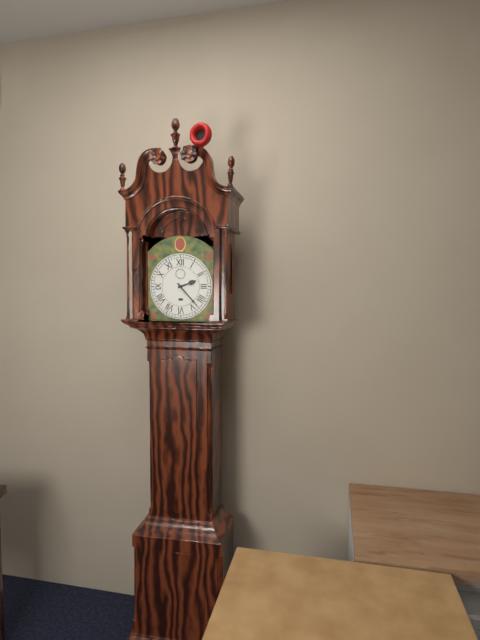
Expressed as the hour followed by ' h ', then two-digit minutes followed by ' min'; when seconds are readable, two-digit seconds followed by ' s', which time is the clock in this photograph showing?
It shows 2 h 23 min
